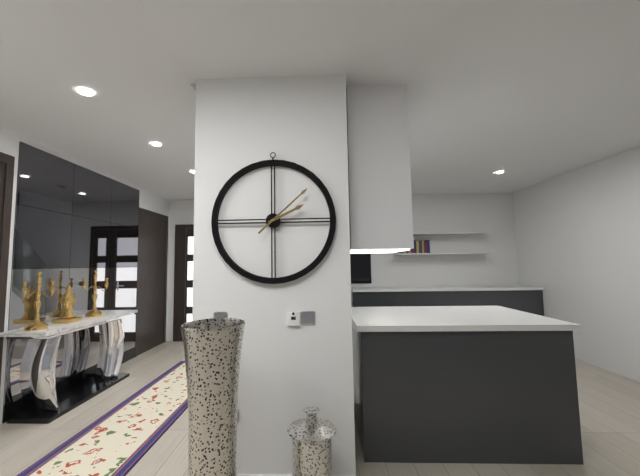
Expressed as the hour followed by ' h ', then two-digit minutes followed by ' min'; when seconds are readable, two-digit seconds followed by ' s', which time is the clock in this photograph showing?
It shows 2 h 08 min
